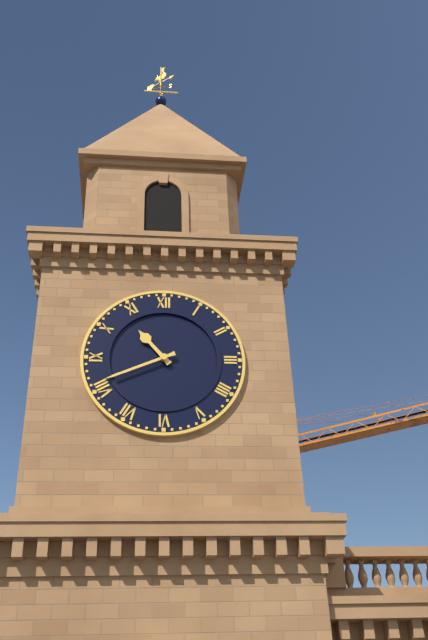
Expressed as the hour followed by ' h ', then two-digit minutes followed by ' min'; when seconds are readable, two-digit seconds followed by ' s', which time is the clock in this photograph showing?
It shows 10 h 41 min
